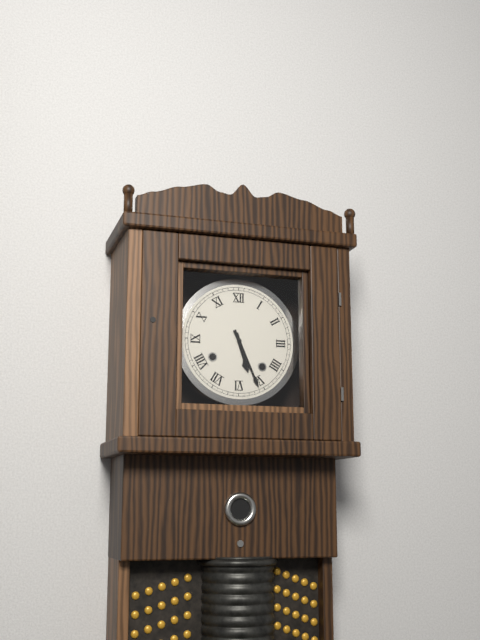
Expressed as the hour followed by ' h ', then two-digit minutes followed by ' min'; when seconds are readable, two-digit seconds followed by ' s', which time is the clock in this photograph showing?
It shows 5 h 26 min
